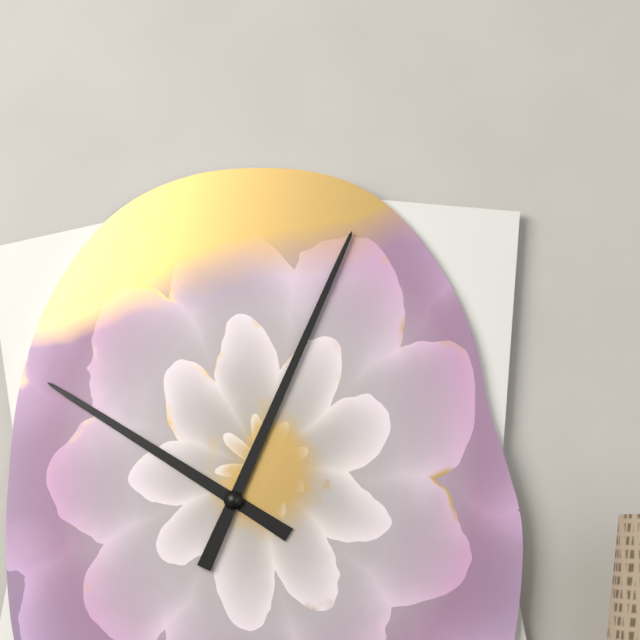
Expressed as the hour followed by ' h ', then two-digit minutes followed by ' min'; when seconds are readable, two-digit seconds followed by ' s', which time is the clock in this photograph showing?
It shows 10 h 04 min
